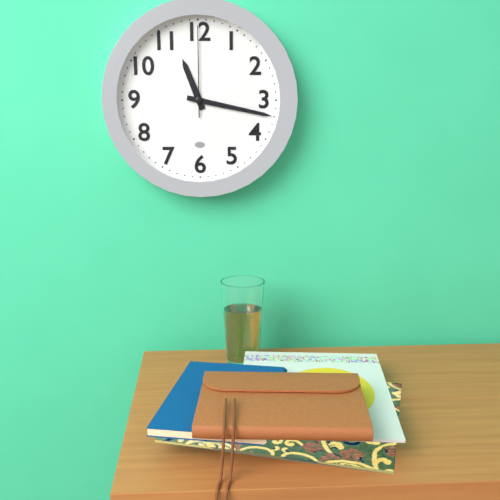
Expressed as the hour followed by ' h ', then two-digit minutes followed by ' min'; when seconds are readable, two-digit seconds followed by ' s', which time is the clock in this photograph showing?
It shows 11 h 17 min 00 s
